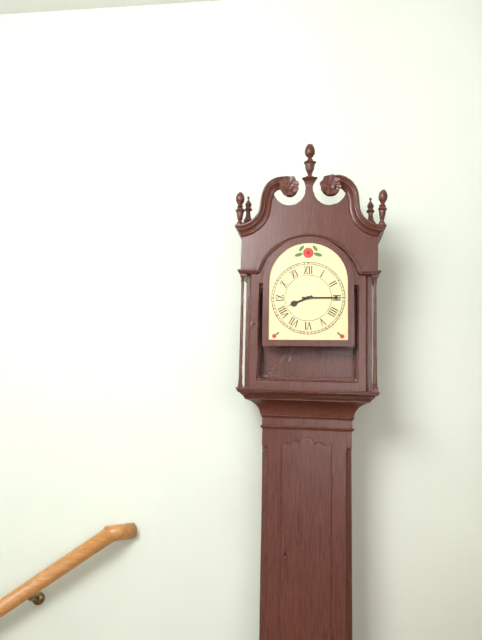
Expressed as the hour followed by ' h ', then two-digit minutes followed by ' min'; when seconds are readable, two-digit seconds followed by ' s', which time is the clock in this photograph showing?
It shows 8 h 15 min
